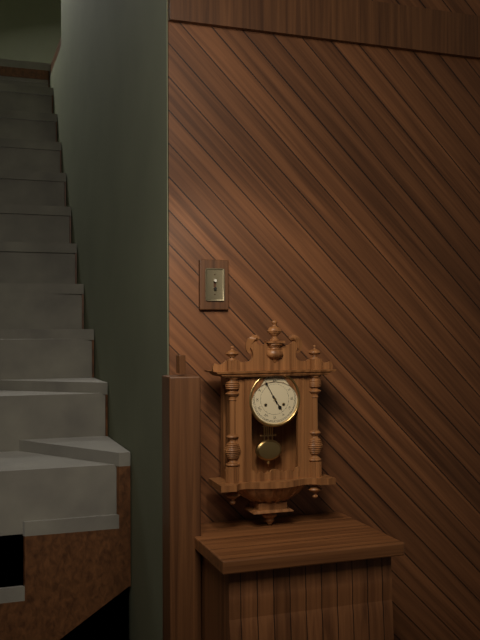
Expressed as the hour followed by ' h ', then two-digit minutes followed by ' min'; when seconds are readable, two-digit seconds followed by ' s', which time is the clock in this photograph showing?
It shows 4 h 55 min
